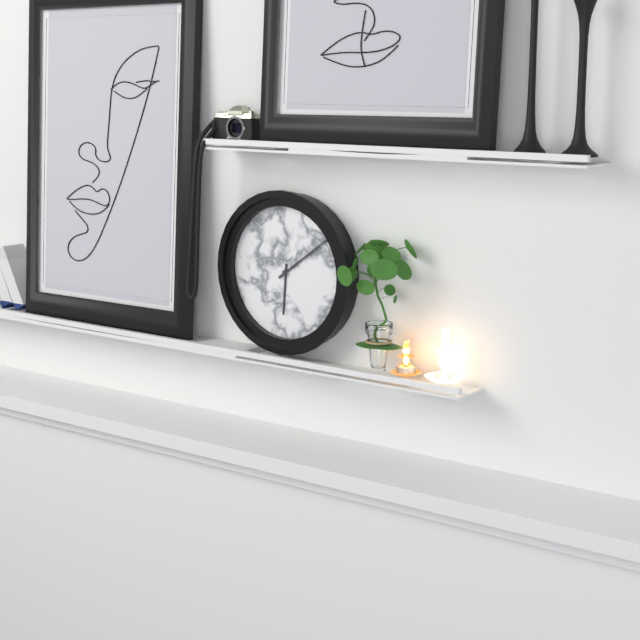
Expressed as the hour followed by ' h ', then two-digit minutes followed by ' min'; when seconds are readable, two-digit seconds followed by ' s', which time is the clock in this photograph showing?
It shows 6 h 09 min
